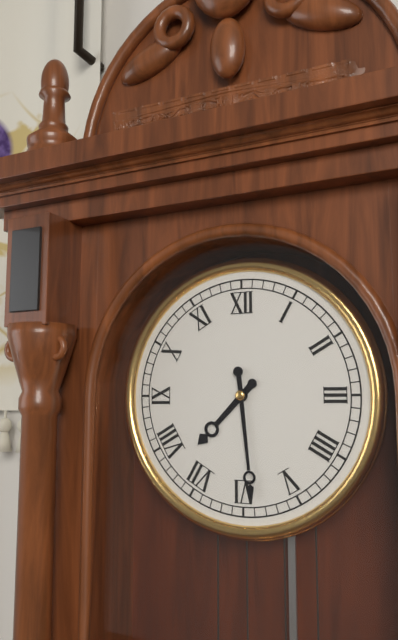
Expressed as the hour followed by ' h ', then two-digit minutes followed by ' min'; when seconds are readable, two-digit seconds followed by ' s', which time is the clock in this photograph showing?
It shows 7 h 29 min
